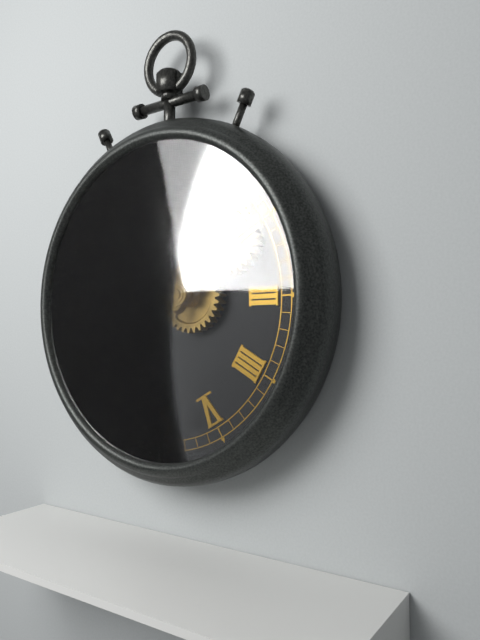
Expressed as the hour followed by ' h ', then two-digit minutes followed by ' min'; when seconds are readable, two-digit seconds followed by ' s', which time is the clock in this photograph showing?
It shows 11 h 02 min 35 s
